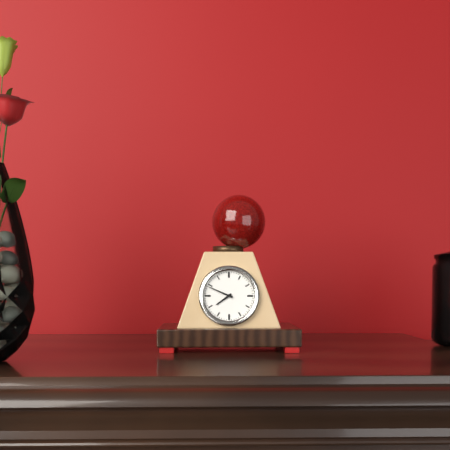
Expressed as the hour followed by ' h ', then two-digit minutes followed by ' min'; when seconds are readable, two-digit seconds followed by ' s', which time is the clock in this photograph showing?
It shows 7 h 49 min
